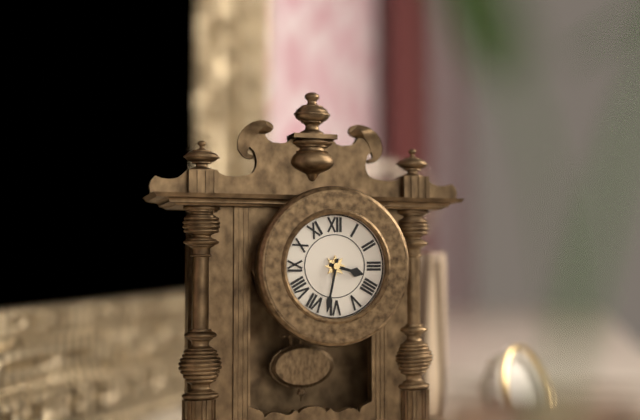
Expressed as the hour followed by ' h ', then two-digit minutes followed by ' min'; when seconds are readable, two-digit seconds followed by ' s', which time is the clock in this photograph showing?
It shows 3 h 32 min
